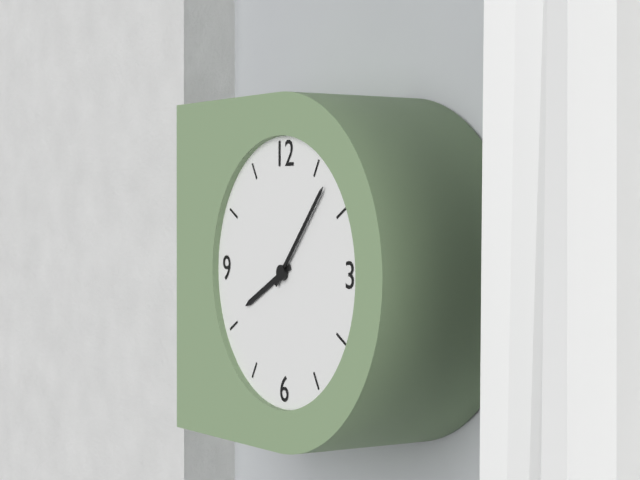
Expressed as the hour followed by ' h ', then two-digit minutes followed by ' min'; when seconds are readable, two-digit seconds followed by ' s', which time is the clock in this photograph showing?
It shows 8 h 07 min
